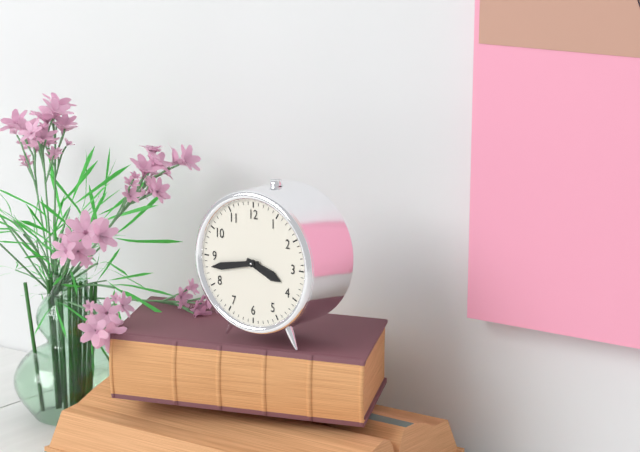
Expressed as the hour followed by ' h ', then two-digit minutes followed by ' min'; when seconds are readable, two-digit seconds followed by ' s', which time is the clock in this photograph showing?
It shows 3 h 43 min
